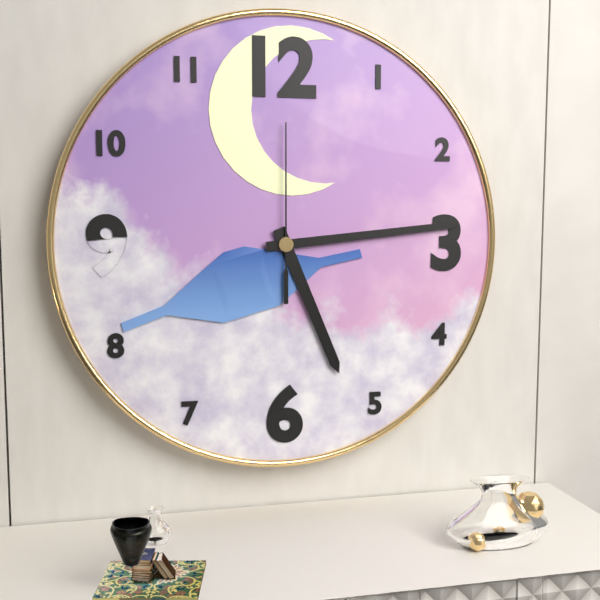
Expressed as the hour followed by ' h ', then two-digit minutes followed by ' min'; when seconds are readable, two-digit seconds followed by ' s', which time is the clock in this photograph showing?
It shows 5 h 14 min 00 s
